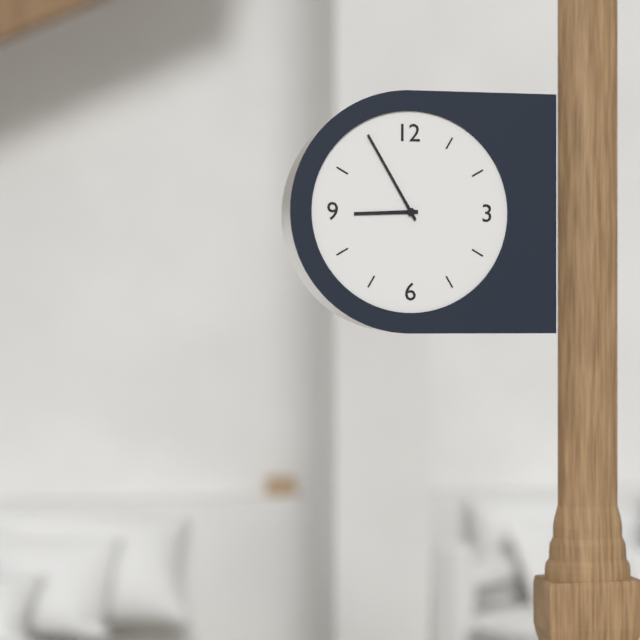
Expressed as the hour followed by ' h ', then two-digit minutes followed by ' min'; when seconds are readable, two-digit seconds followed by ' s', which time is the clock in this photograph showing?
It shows 8 h 55 min
